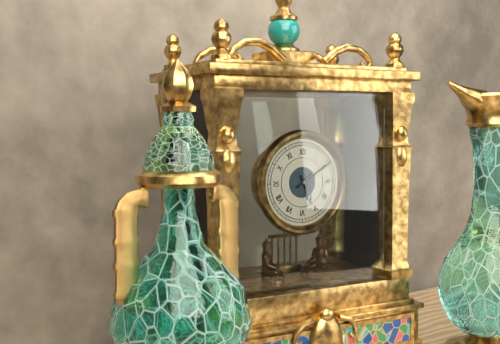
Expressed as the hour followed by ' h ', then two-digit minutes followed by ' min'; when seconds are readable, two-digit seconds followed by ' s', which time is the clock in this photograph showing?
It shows 5 h 10 min
